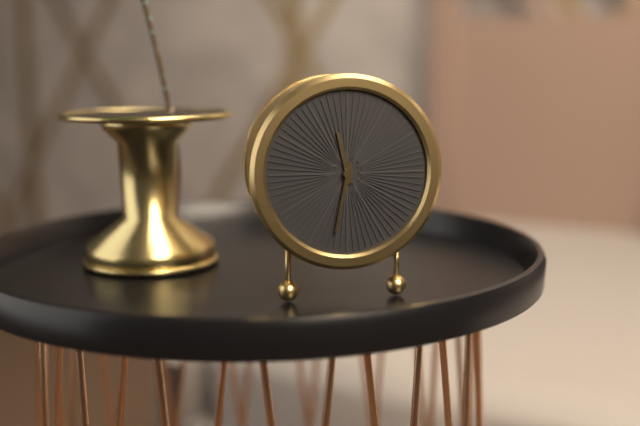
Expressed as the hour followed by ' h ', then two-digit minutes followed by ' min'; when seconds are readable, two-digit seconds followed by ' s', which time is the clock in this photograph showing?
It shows 11 h 32 min
